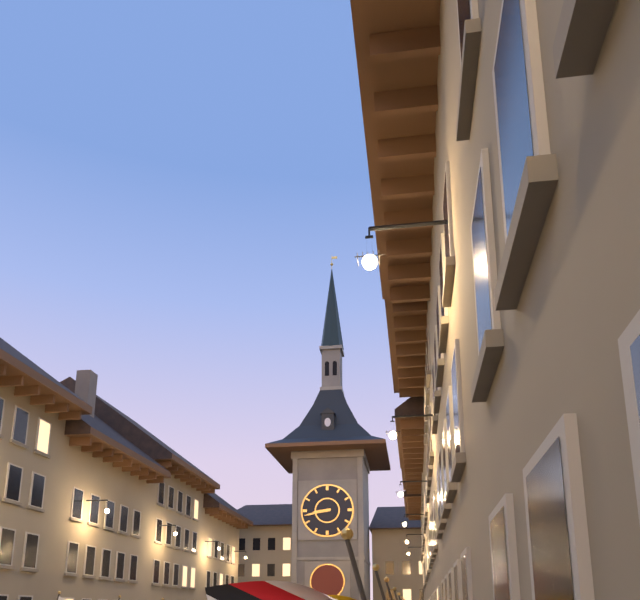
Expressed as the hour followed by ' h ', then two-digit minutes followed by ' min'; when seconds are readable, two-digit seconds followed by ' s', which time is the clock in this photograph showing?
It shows 8 h 43 min
